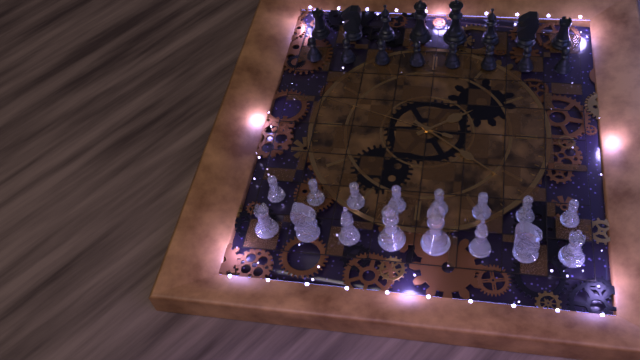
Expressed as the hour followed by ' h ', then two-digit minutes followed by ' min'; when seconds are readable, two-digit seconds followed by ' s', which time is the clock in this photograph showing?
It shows 7 h 51 min 18 s
